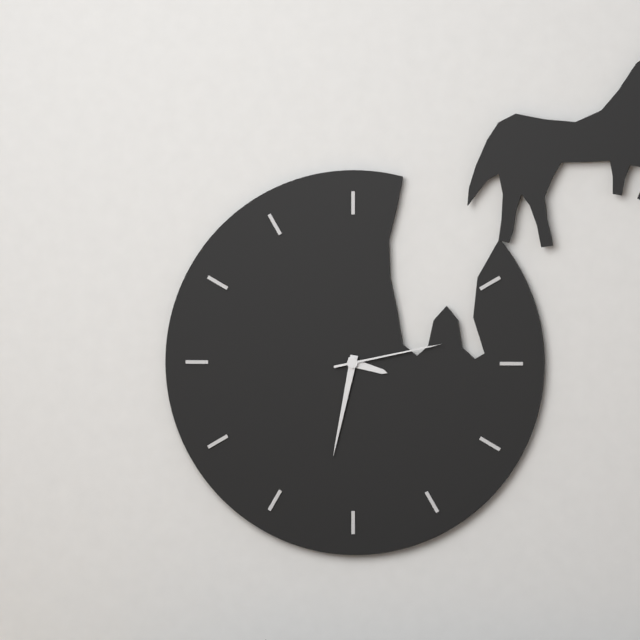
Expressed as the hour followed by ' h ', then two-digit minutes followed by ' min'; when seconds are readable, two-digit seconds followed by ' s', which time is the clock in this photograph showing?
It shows 3 h 32 min 13 s
